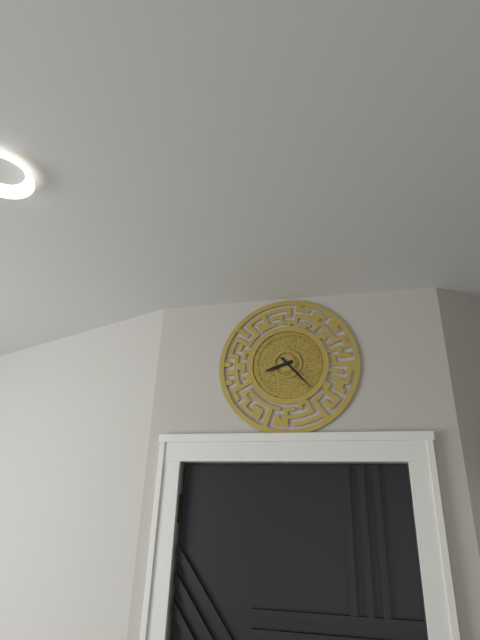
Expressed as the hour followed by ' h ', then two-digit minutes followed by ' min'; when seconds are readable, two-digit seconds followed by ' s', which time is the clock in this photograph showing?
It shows 8 h 23 min
